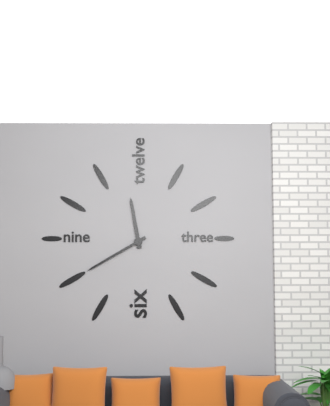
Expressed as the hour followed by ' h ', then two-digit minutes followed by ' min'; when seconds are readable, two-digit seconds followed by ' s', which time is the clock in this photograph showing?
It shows 11 h 40 min
